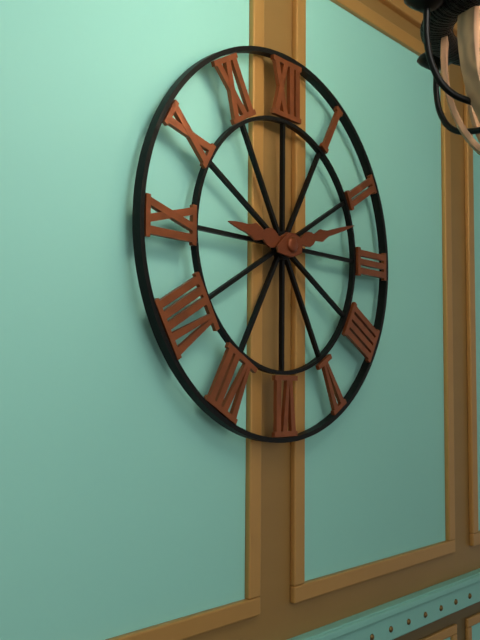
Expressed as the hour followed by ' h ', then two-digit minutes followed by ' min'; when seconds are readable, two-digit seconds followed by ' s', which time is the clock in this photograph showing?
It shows 9 h 12 min
